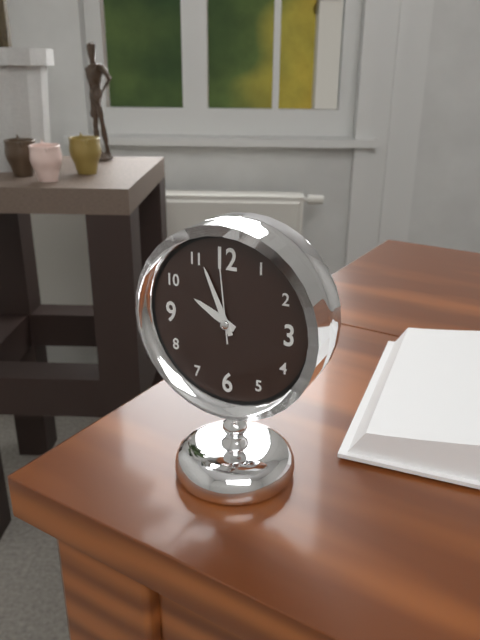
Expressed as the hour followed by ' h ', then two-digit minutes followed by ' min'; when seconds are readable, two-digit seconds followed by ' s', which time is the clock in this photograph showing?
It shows 9 h 56 min 59 s
